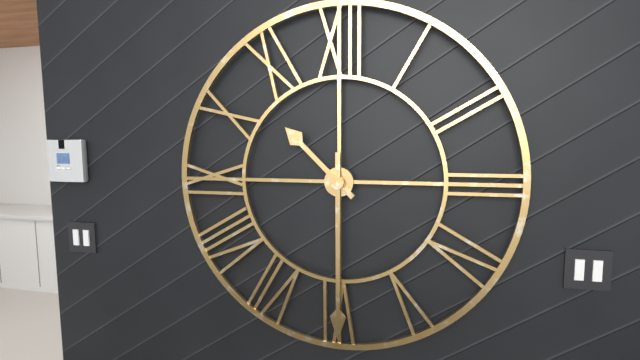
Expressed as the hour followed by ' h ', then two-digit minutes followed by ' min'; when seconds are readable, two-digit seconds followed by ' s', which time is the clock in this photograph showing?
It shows 10 h 30 min
